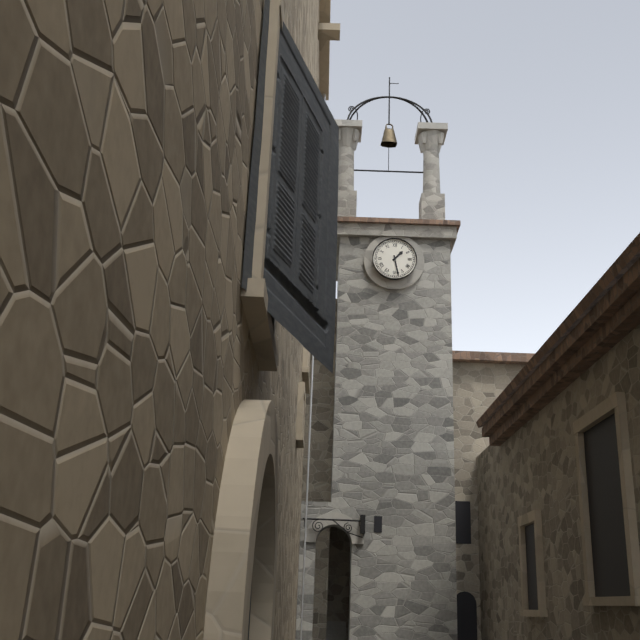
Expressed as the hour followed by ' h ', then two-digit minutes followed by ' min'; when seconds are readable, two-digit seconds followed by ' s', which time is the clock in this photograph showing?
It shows 1 h 28 min
